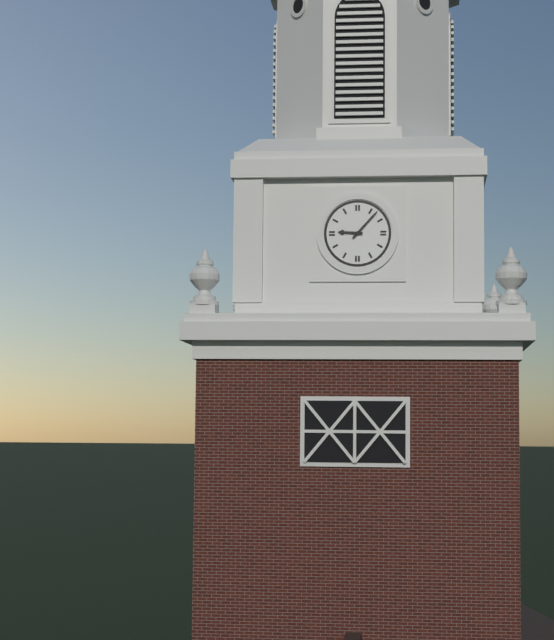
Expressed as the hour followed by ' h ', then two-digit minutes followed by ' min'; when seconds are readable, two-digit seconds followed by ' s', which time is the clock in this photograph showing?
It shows 9 h 07 min
